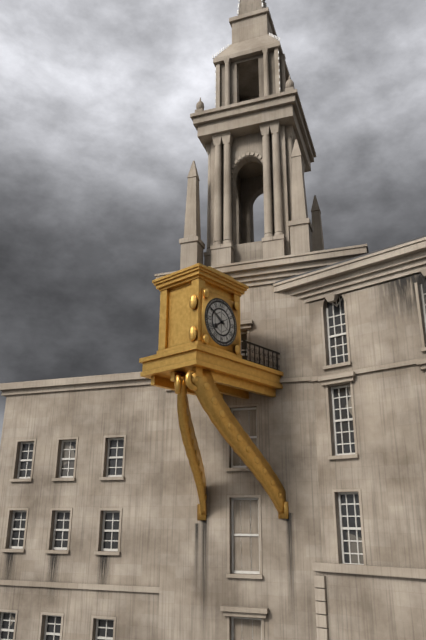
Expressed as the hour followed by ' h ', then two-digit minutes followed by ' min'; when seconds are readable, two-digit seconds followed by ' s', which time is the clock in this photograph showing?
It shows 7 h 50 min
